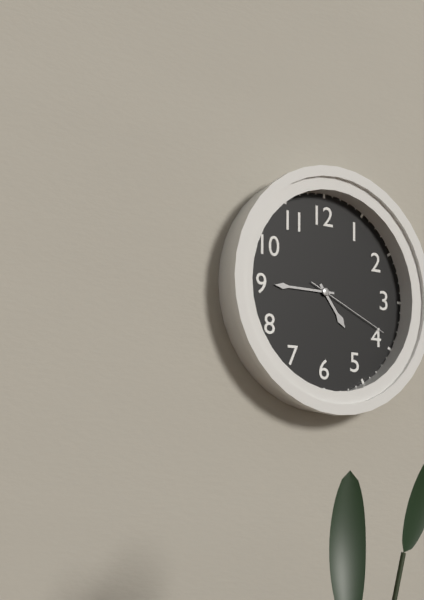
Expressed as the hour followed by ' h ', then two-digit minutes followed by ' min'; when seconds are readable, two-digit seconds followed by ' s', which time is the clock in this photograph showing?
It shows 4 h 45 min 19 s
